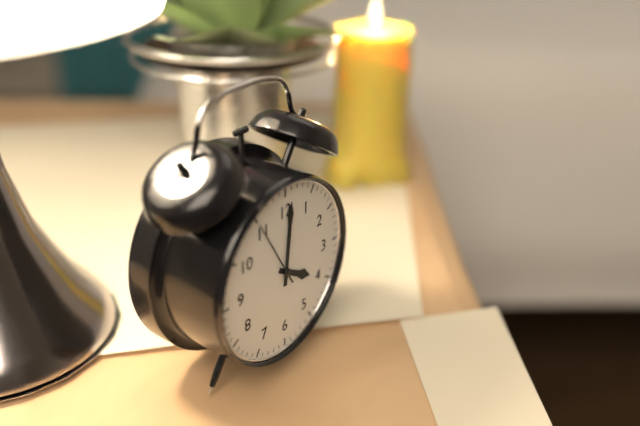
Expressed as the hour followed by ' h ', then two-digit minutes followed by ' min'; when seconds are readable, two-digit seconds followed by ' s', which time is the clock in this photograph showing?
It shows 4 h 01 min 55 s
